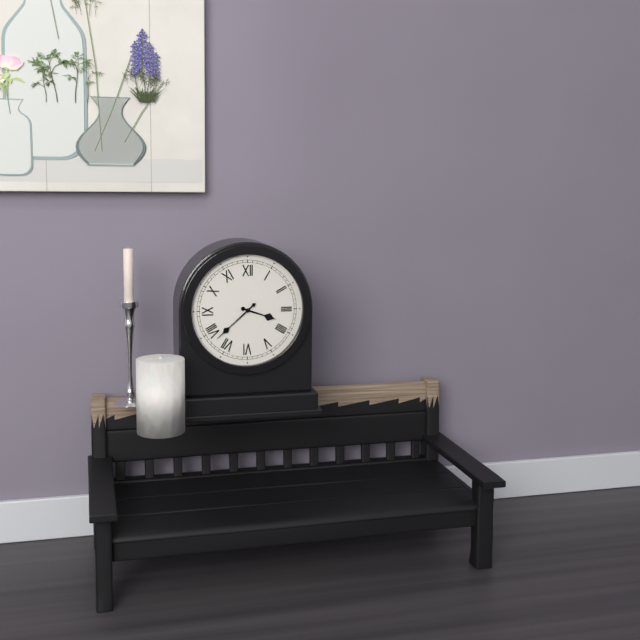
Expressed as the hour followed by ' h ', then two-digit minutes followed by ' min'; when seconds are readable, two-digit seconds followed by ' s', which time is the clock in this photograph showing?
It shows 3 h 38 min
